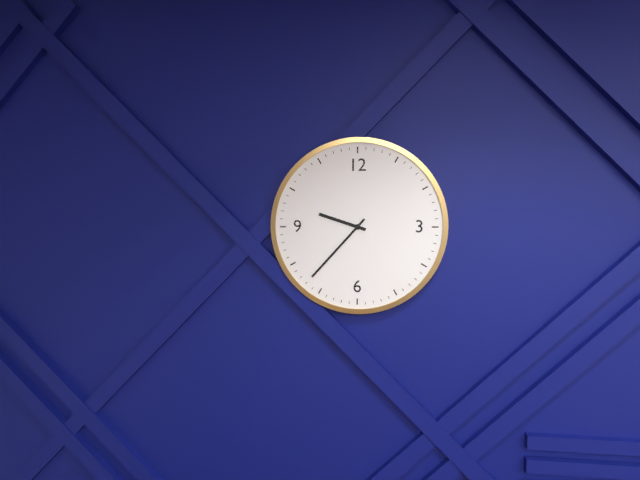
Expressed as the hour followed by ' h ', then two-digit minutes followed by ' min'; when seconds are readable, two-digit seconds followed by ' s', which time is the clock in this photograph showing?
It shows 9 h 37 min
